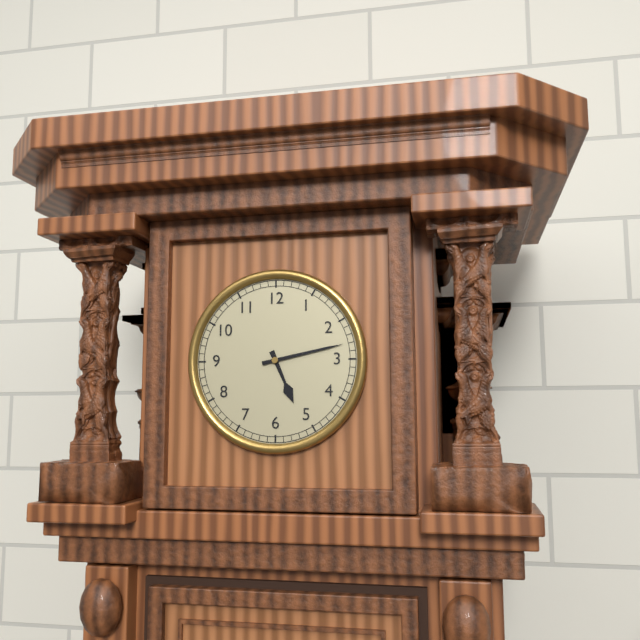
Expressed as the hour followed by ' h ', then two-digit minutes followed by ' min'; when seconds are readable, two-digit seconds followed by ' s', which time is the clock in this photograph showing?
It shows 5 h 13 min
